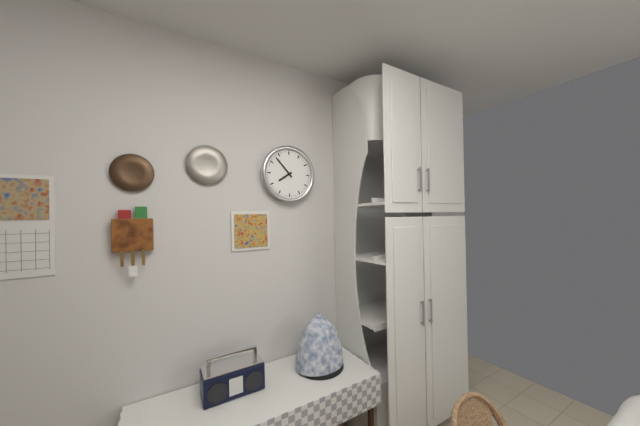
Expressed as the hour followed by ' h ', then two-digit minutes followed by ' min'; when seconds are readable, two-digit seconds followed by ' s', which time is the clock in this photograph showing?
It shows 7 h 53 min
